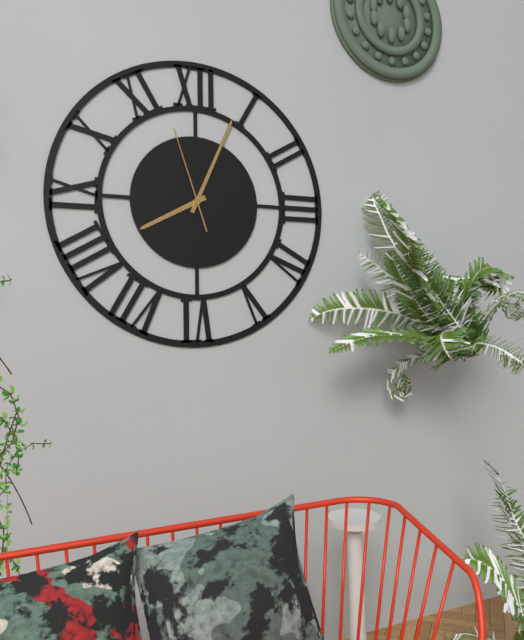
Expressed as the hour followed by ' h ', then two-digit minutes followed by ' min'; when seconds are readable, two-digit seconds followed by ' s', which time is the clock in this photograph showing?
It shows 8 h 04 min 57 s
